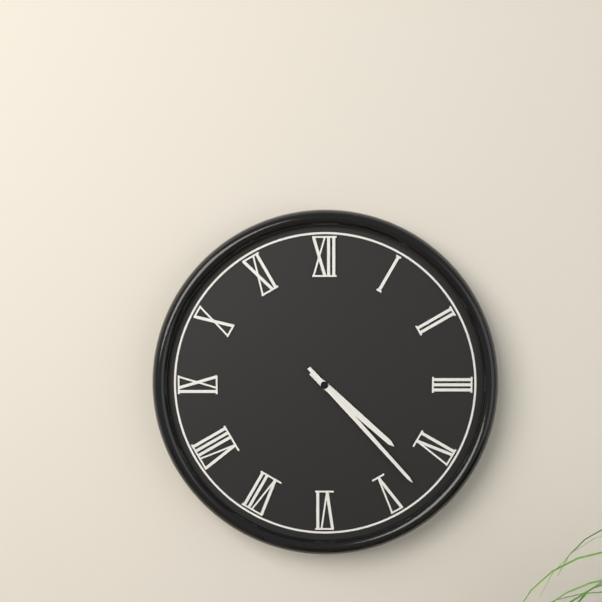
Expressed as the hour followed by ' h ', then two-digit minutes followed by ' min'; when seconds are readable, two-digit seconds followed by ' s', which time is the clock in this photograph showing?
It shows 4 h 23 min
